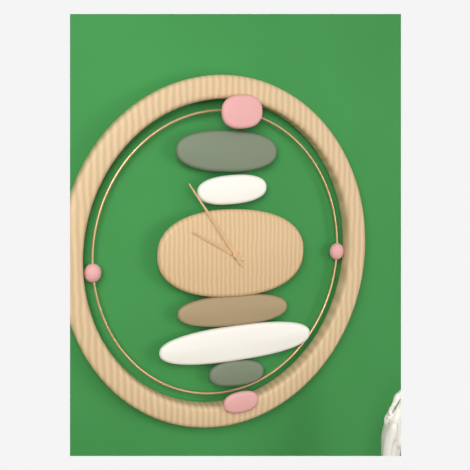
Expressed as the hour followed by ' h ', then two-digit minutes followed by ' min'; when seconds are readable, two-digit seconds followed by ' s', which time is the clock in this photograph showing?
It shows 9 h 54 min
